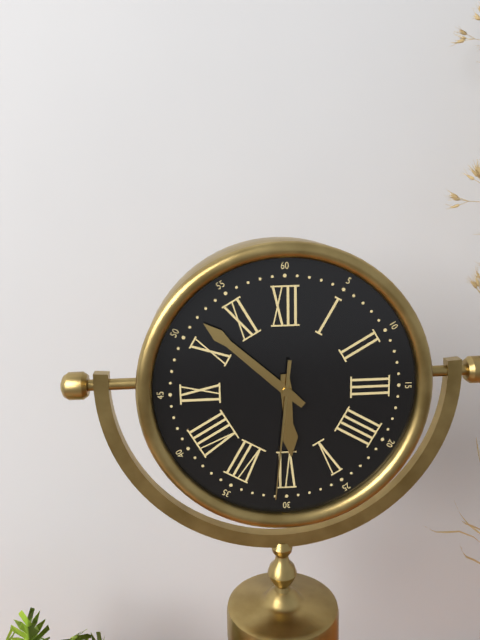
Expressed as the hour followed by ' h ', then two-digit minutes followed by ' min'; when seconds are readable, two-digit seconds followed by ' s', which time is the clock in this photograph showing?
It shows 5 h 52 min 31 s
